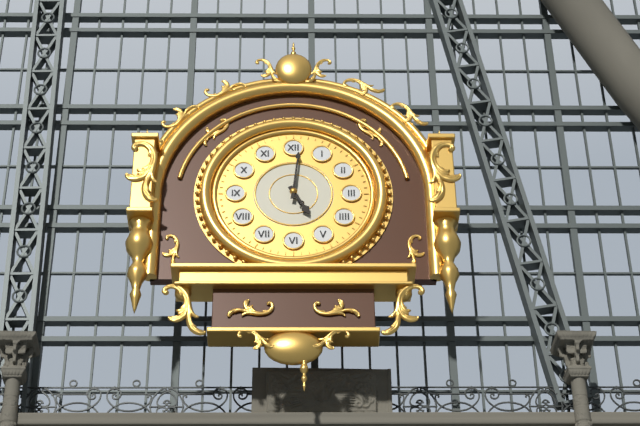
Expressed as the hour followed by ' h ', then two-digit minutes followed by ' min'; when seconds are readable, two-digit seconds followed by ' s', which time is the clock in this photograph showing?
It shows 5 h 01 min
